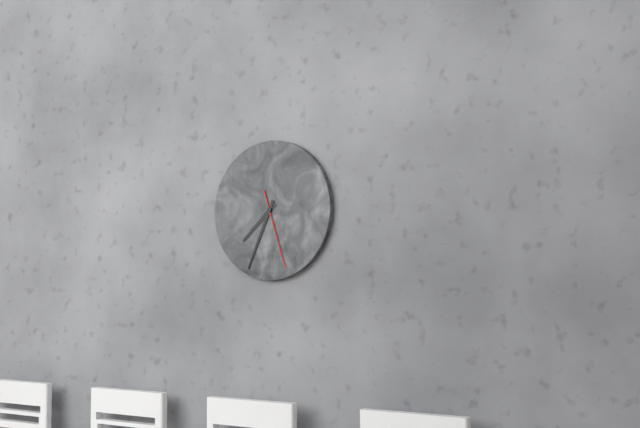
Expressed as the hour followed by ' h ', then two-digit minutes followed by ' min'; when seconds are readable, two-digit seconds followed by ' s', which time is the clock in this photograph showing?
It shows 7 h 34 min 27 s
